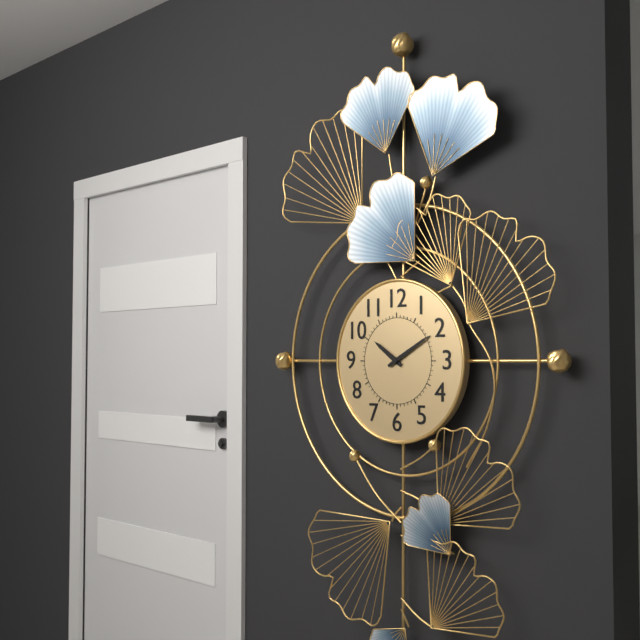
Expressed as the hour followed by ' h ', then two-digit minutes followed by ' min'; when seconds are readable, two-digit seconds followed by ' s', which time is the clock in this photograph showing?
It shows 10 h 10 min
